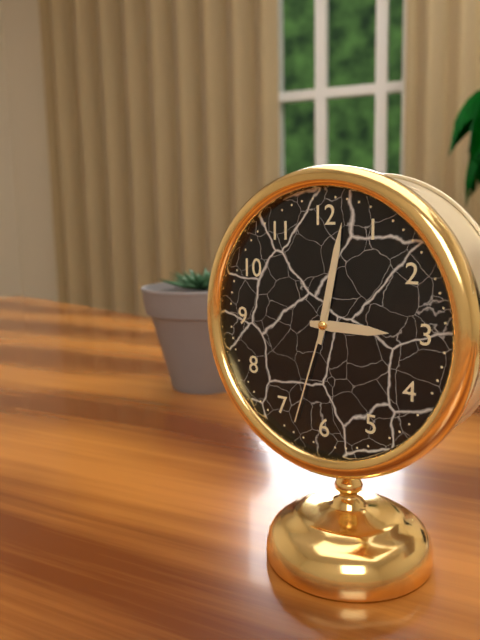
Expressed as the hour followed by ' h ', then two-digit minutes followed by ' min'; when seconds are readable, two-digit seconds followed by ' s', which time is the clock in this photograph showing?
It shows 3 h 02 min 33 s
